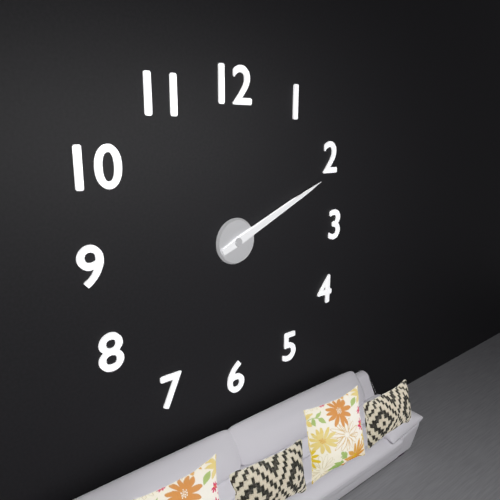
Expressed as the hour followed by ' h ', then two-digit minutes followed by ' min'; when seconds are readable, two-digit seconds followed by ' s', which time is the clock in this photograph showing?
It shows 2 h 11 min
